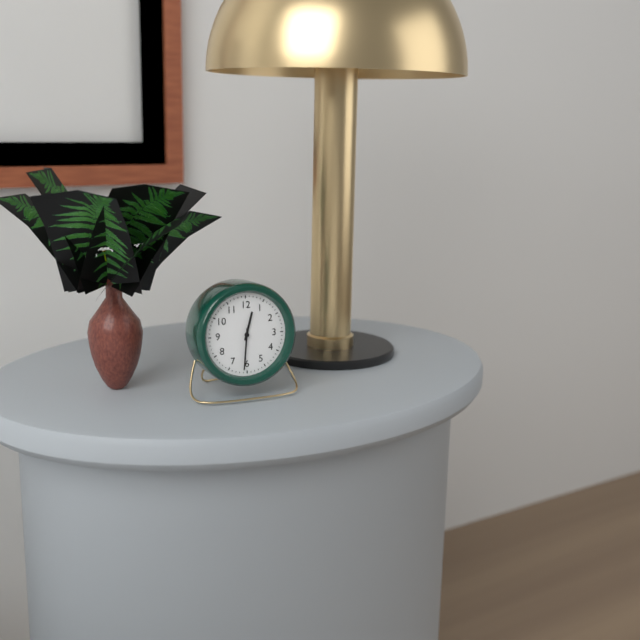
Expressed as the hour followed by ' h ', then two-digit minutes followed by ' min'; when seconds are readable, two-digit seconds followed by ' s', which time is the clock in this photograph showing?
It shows 12 h 31 min
